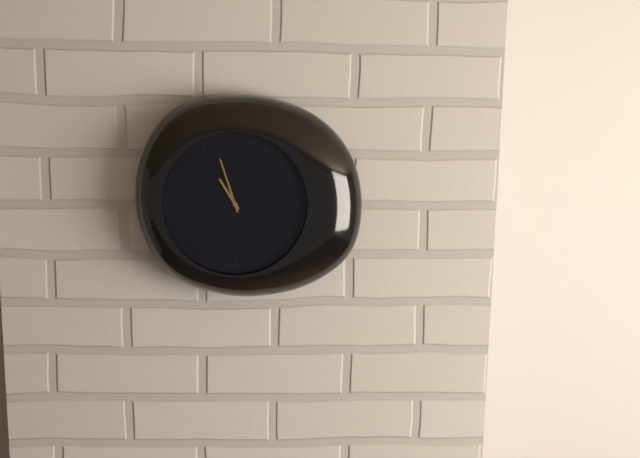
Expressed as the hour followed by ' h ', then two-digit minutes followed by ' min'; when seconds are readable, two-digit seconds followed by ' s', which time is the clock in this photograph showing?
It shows 10 h 57 min
